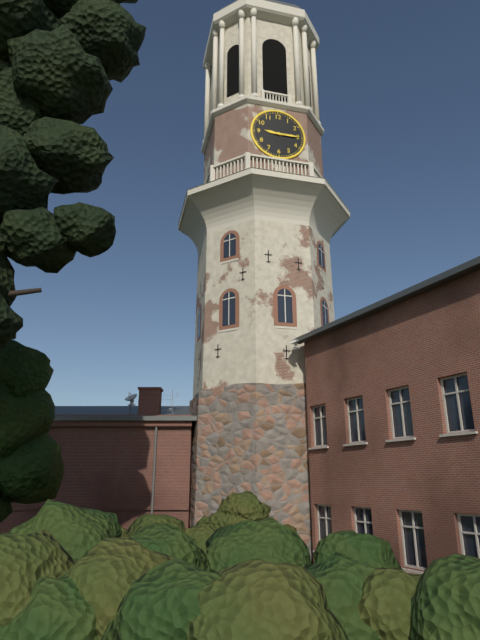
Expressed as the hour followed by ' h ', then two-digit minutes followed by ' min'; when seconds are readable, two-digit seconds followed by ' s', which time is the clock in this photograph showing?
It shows 9 h 15 min
